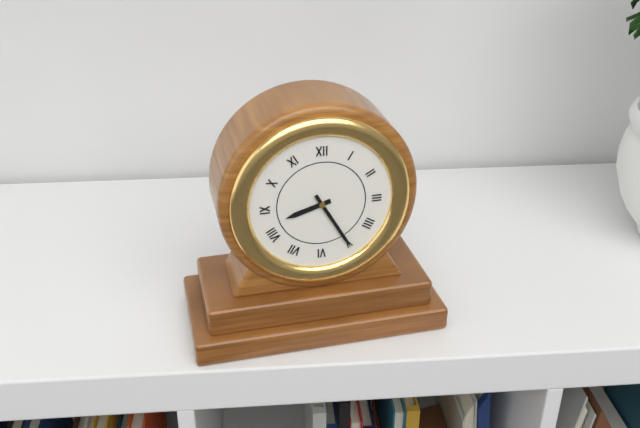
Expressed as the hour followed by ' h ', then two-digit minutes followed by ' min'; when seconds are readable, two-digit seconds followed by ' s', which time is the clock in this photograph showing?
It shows 8 h 25 min
